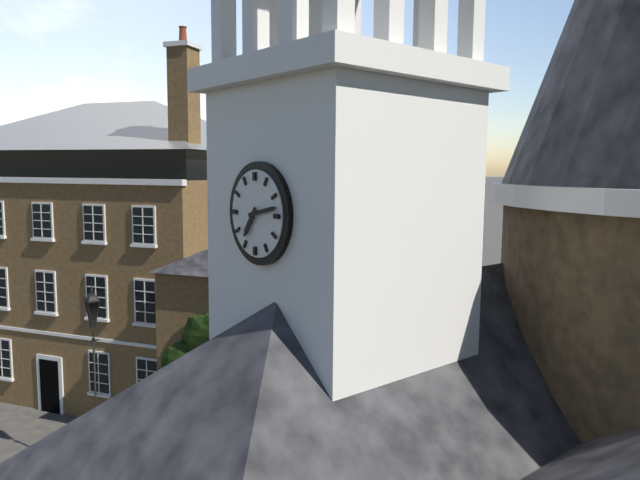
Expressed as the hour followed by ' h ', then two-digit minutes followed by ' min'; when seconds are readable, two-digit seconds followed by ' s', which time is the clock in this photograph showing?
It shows 7 h 13 min
